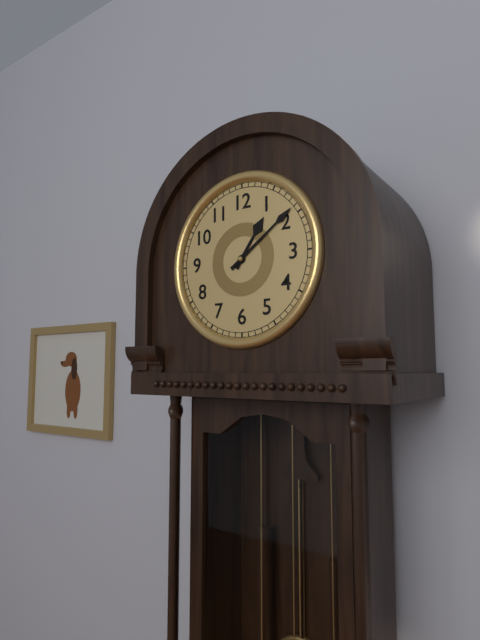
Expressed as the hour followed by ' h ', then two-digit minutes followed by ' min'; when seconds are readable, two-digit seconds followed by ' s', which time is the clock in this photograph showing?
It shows 1 h 09 min
